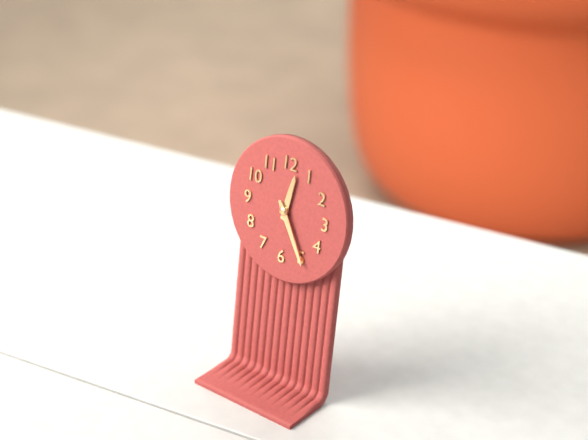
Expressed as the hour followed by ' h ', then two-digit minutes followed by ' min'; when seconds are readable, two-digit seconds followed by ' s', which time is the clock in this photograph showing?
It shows 12 h 25 min
